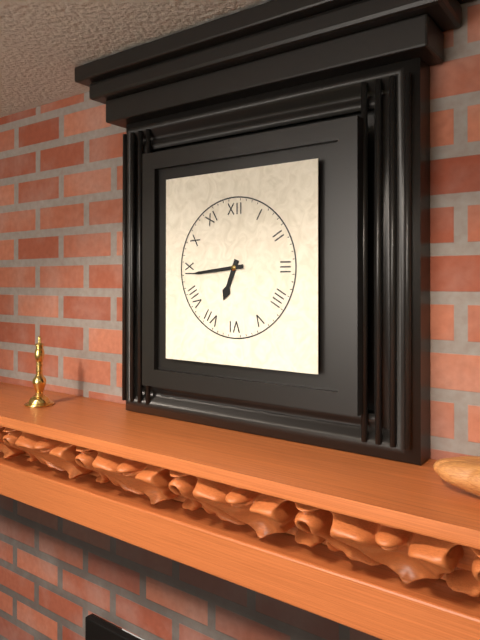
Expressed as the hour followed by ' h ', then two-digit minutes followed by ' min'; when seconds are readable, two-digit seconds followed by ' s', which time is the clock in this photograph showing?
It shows 6 h 44 min
